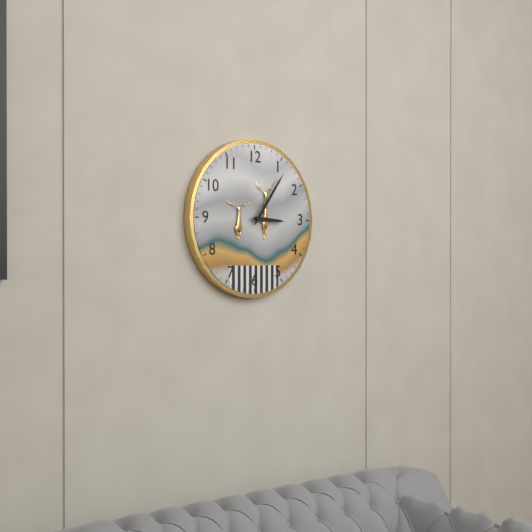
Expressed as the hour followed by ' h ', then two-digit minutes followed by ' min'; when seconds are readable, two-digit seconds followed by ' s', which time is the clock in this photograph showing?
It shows 3 h 06 min
